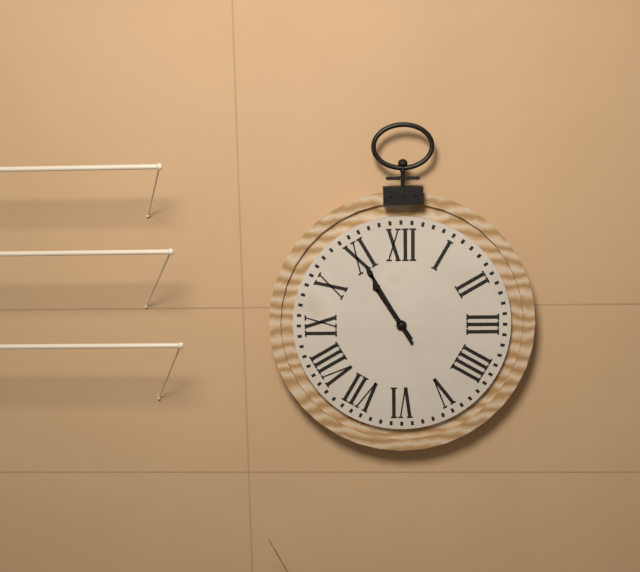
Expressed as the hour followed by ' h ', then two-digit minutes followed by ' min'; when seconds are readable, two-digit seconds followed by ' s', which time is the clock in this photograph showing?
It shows 10 h 55 min
